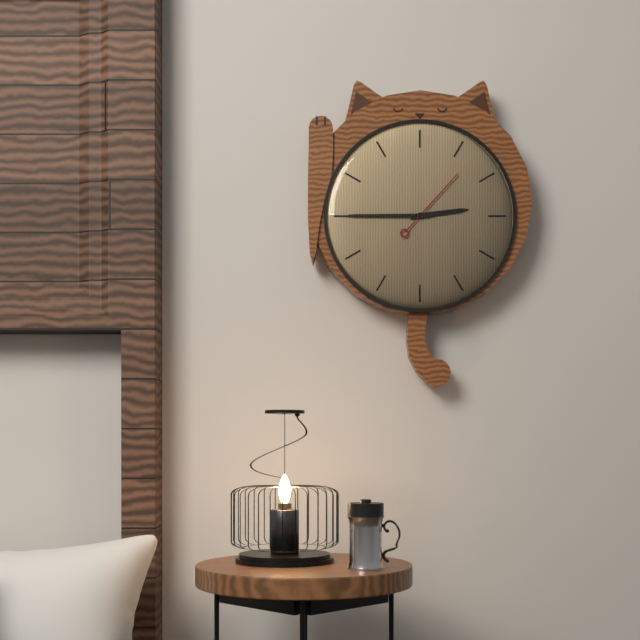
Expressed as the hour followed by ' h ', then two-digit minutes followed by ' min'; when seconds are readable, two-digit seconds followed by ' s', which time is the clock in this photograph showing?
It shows 2 h 45 min 07 s
